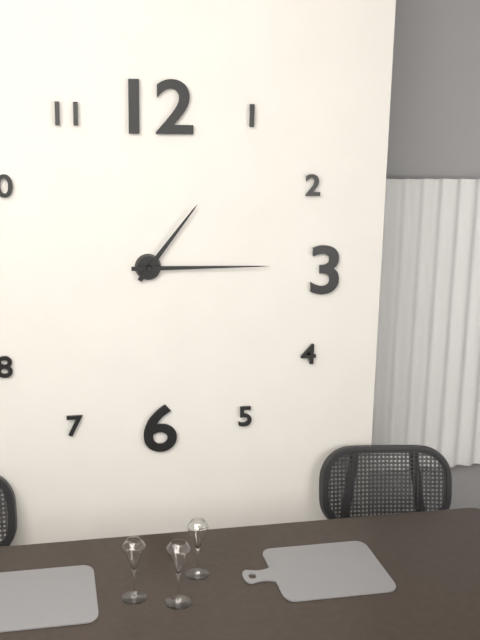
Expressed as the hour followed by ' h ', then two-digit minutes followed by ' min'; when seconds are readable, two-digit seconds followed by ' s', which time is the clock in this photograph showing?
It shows 1 h 15 min
